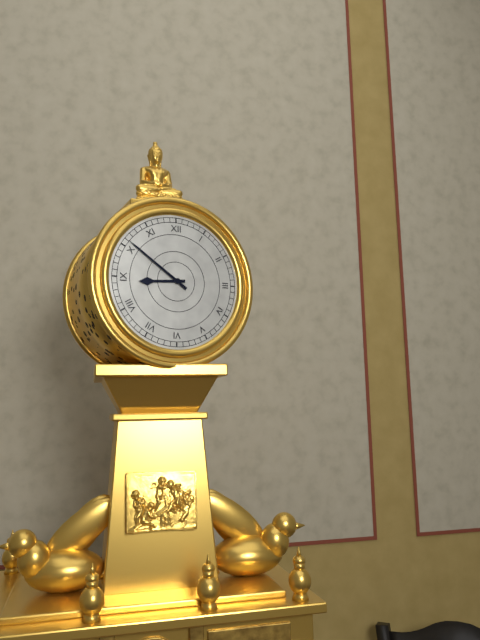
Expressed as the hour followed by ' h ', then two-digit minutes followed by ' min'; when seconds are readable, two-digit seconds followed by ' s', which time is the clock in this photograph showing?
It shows 8 h 51 min
